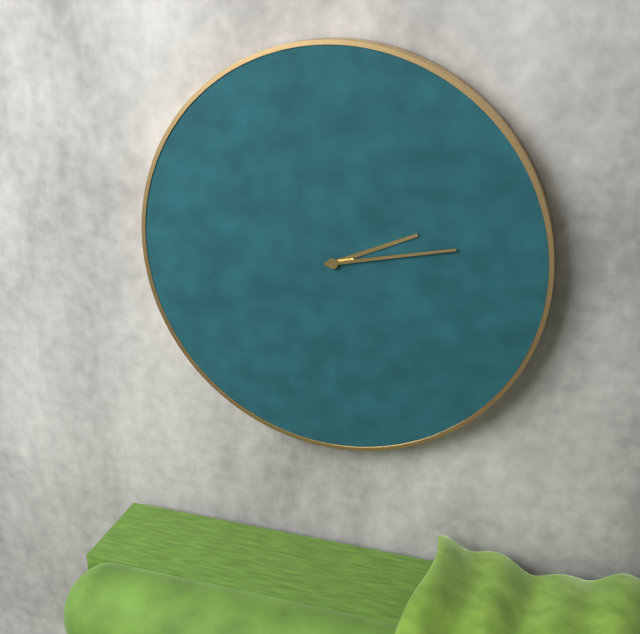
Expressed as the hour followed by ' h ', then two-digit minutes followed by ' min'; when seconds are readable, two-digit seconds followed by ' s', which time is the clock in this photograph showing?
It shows 2 h 13 min
